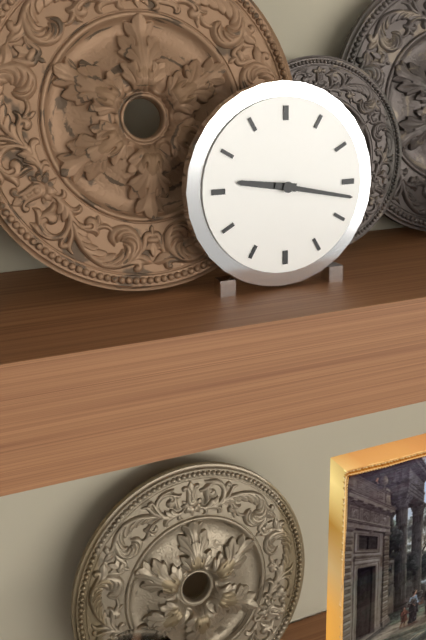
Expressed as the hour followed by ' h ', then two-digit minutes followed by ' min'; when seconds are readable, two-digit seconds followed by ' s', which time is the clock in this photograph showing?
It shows 9 h 17 min
